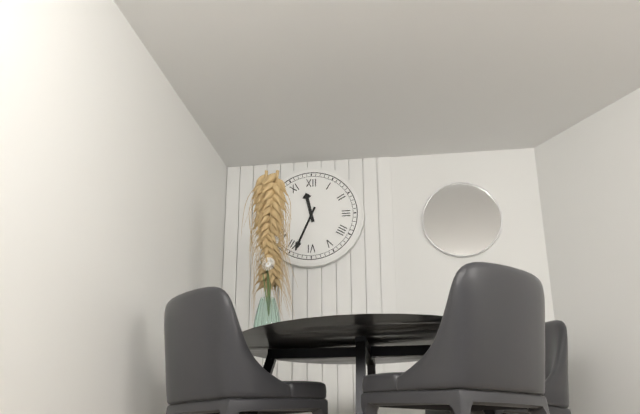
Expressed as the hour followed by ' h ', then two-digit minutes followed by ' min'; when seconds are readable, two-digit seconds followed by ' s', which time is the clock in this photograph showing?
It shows 11 h 34 min
